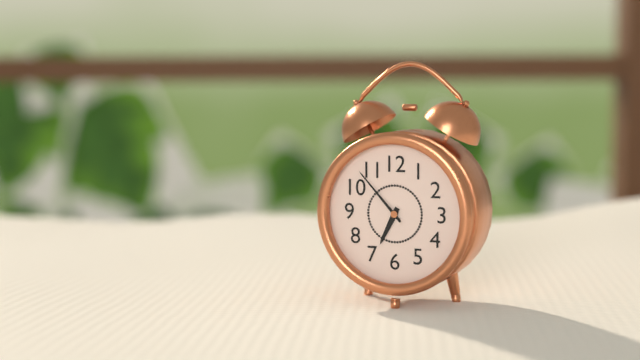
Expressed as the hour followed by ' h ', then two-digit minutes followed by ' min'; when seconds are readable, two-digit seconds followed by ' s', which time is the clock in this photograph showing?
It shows 6 h 53 min
